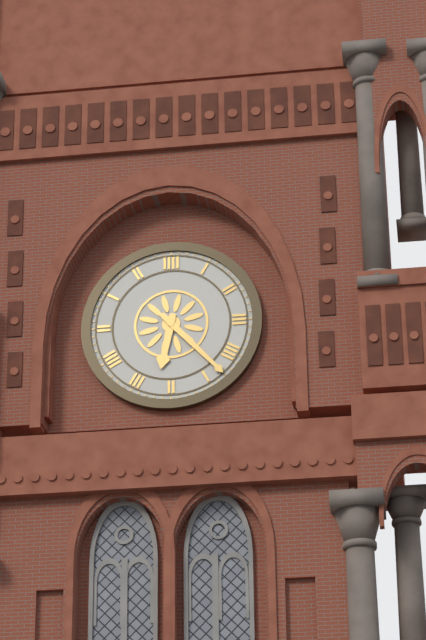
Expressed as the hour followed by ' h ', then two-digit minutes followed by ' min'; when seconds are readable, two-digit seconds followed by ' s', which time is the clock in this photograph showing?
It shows 6 h 23 min
